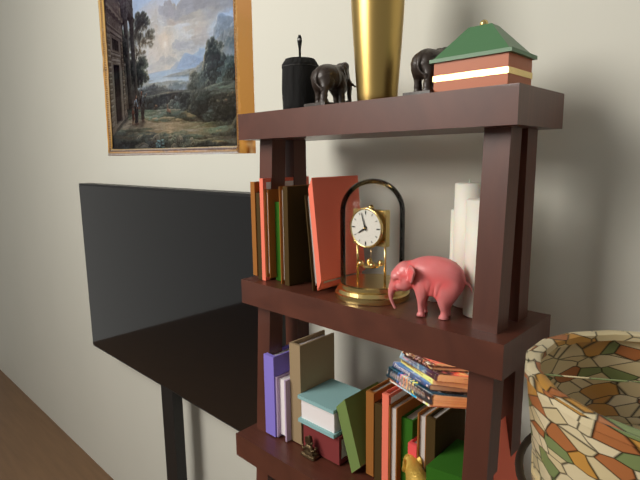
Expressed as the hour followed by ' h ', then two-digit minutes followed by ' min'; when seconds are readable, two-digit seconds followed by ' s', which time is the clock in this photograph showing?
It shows 7 h 57 min
